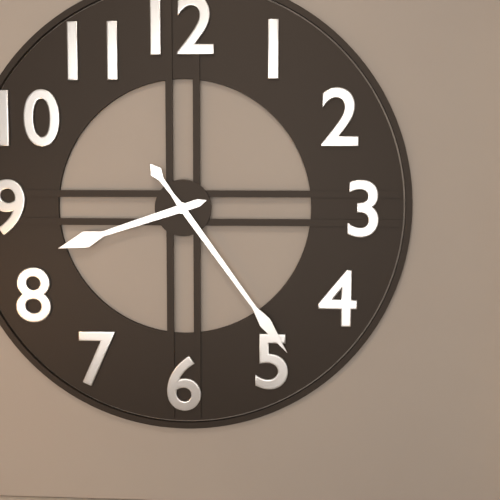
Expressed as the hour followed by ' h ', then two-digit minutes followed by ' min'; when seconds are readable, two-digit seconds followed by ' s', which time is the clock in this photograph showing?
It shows 8 h 24 min
